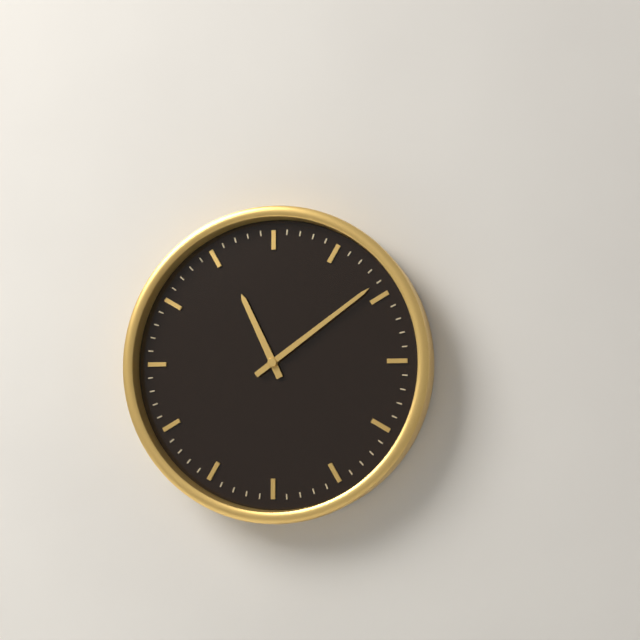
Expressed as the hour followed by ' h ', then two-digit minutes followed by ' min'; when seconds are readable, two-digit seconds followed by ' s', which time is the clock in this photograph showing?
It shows 11 h 09 min
